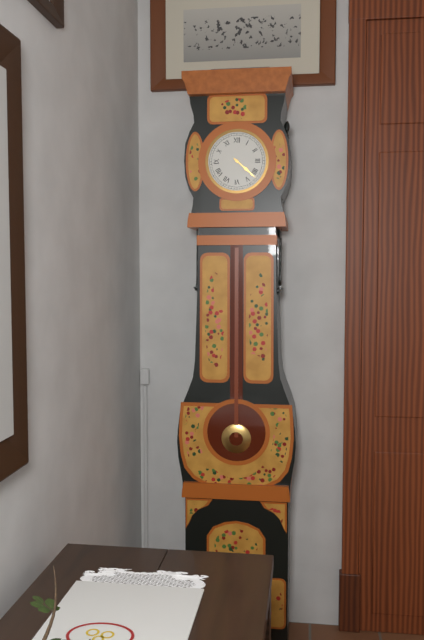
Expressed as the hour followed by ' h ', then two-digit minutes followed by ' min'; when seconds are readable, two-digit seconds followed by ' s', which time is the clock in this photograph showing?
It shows 4 h 22 min
